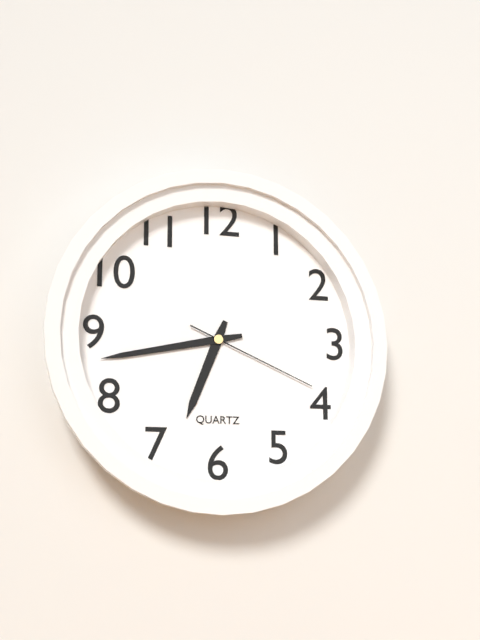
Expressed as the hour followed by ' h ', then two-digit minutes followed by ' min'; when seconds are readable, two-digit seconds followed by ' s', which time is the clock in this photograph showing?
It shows 6 h 43 min 19 s
